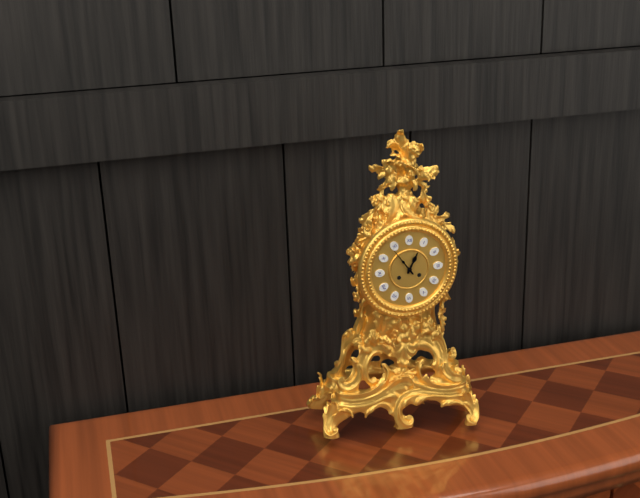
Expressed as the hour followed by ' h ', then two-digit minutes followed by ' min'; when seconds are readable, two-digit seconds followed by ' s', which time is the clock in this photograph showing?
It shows 12 h 54 min
